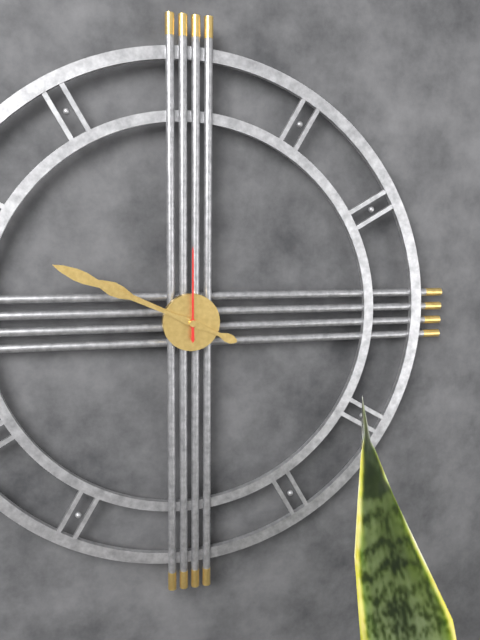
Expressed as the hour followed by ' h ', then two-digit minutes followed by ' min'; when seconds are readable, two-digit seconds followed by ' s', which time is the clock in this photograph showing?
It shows 9 h 49 min 00 s
